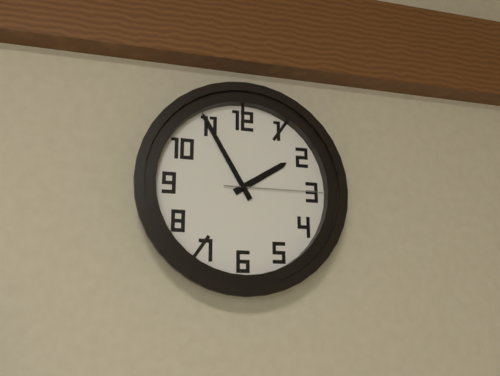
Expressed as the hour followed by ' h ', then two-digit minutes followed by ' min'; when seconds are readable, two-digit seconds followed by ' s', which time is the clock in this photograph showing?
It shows 1 h 55 min 15 s
